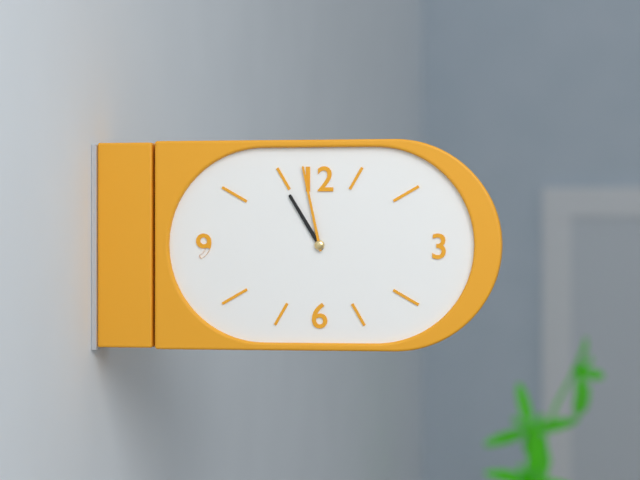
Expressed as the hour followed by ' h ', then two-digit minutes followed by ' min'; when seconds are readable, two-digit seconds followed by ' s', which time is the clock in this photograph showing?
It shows 10 h 58 min
